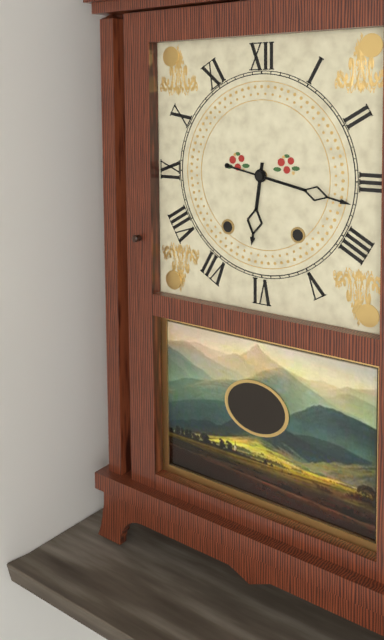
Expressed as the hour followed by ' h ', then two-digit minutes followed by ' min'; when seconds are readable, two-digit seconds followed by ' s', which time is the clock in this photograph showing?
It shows 6 h 17 min
